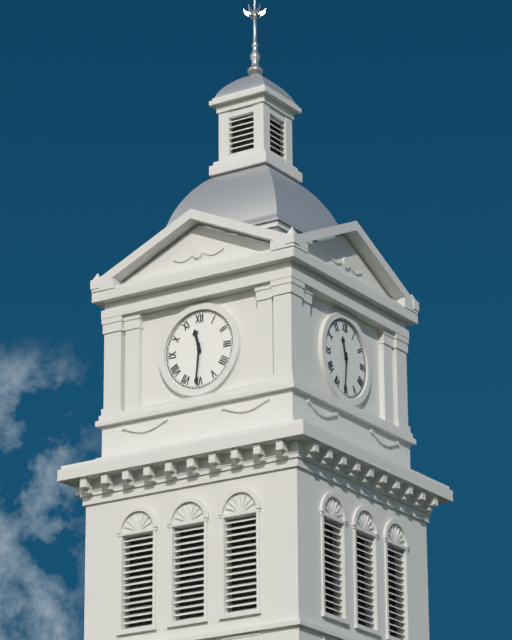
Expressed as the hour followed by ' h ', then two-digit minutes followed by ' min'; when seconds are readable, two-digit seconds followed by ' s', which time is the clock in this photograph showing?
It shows 11 h 31 min
